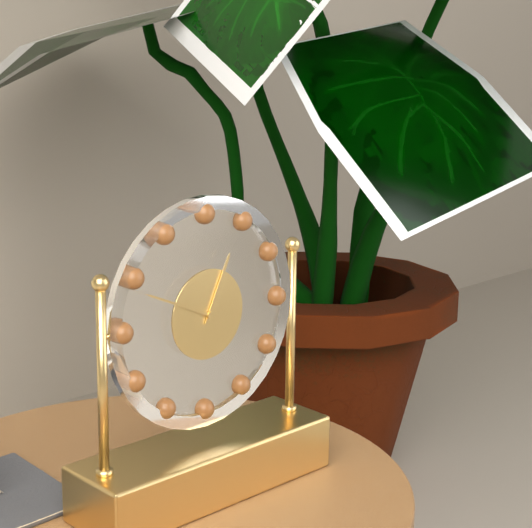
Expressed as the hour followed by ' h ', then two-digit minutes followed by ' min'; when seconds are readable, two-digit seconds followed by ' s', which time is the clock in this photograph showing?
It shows 12 h 49 min
